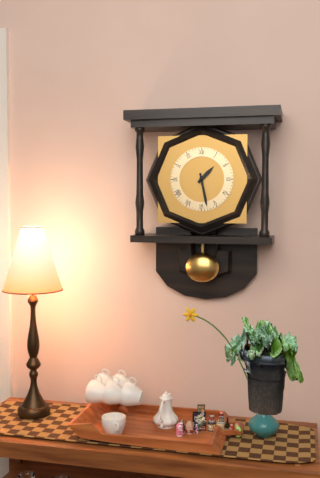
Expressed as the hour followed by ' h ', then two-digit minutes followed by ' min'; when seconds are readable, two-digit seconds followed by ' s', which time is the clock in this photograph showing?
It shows 1 h 28 min
